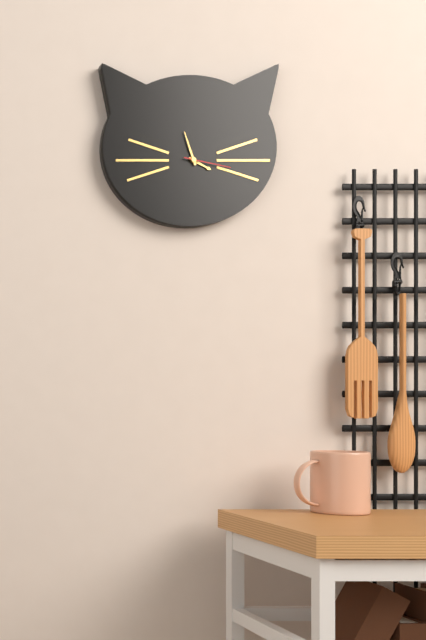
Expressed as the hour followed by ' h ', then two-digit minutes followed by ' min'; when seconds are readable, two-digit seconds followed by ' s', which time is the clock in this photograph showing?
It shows 3 h 57 min 17 s
